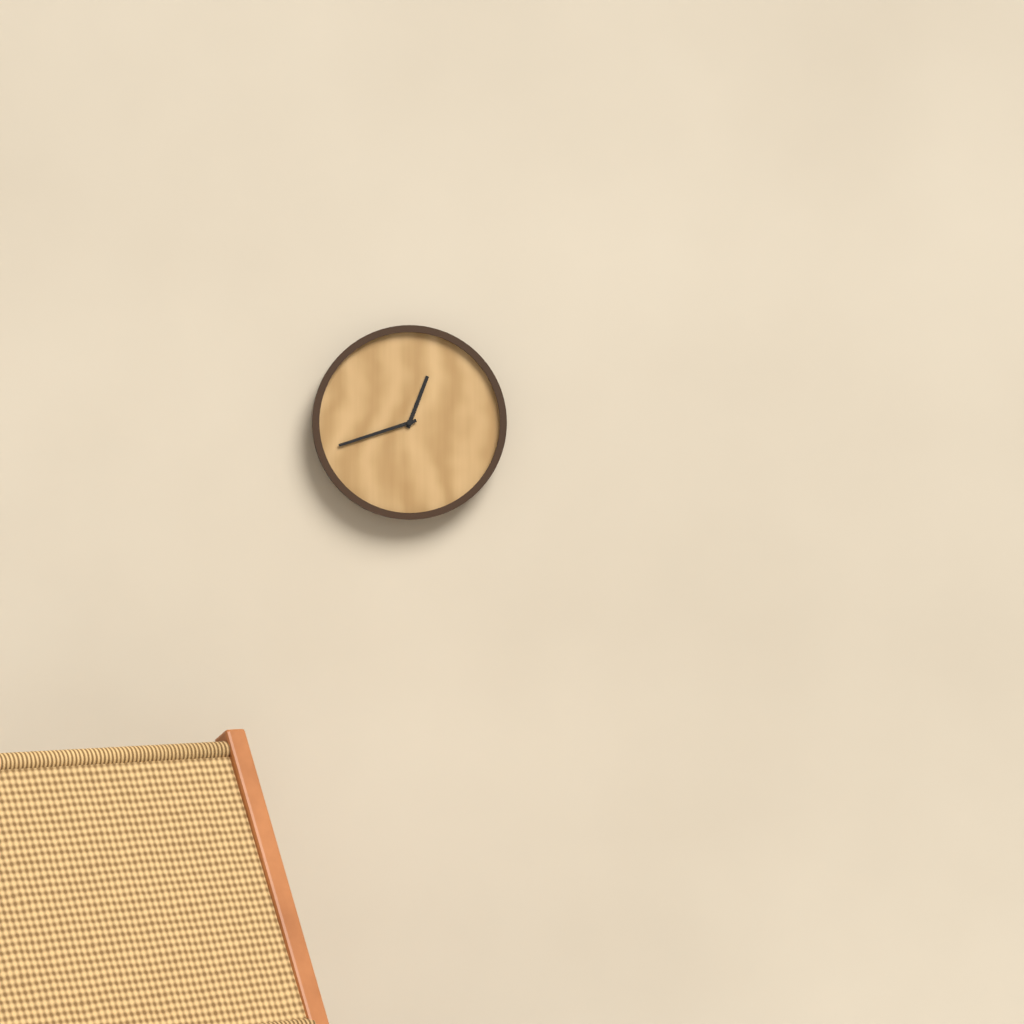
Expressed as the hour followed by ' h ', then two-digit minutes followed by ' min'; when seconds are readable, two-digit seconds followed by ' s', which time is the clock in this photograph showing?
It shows 12 h 42 min
